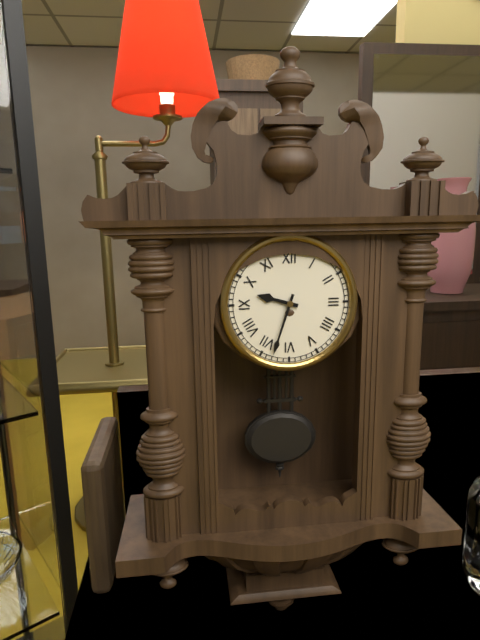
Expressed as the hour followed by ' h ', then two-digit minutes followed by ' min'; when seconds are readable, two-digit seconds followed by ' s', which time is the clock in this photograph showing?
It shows 9 h 33 min
